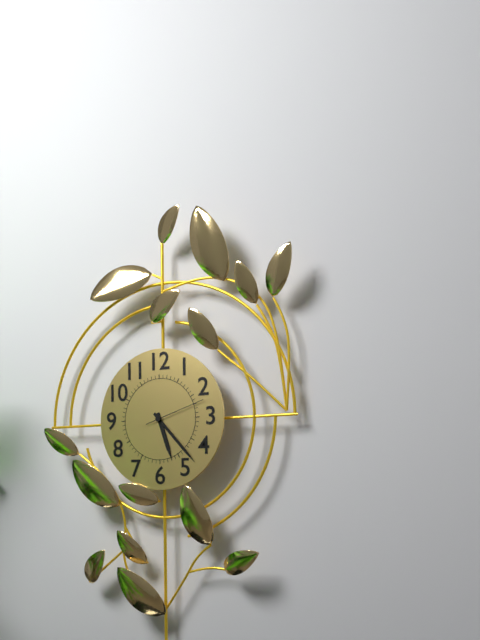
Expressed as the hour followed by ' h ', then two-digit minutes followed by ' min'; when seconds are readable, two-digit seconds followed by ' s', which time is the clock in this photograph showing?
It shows 5 h 23 min 12 s
